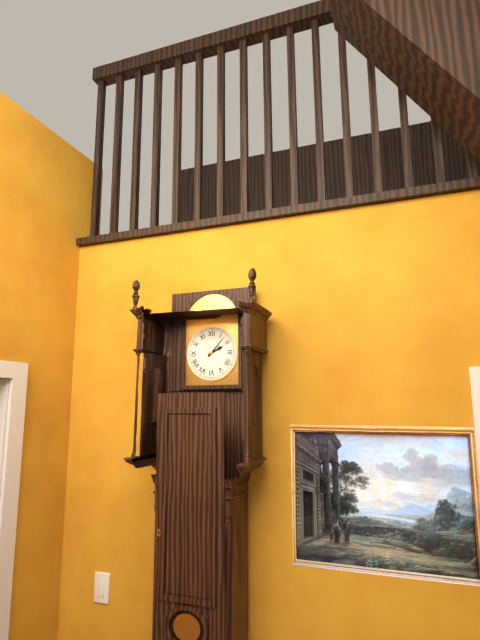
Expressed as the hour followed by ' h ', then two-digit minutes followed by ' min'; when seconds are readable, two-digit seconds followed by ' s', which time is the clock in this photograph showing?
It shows 2 h 07 min
